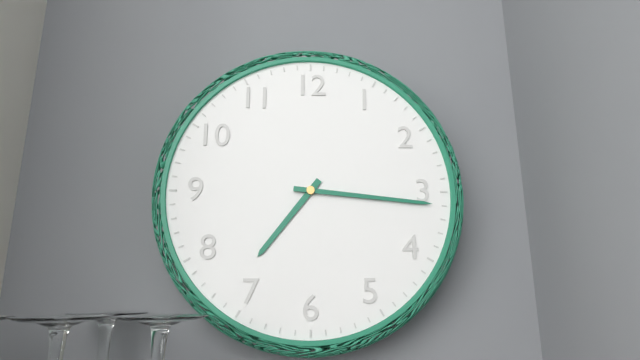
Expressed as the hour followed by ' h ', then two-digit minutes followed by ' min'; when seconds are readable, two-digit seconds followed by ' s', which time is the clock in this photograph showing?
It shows 7 h 16 min
